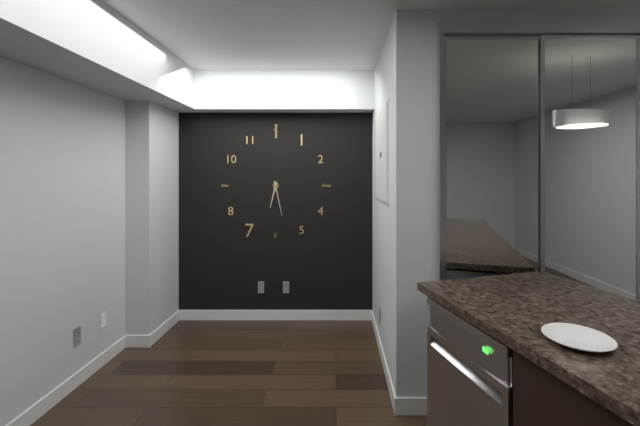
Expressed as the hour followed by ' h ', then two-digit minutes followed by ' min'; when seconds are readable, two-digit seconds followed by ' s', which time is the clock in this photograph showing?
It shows 6 h 28 min
